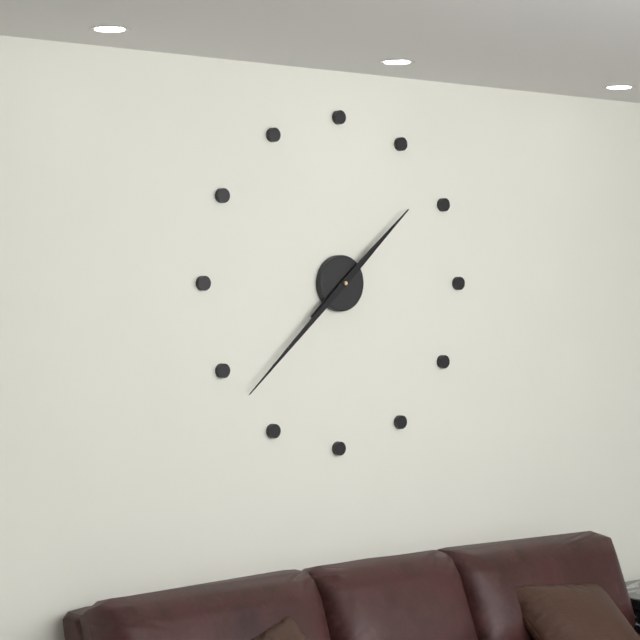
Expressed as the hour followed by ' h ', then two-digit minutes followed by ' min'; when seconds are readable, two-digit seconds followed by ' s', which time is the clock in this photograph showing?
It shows 1 h 38 min
